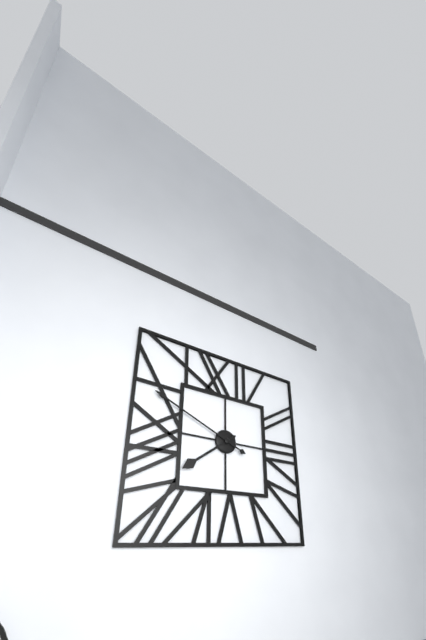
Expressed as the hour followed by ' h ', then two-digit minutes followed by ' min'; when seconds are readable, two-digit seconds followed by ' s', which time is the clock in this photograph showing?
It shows 7 h 49 min
